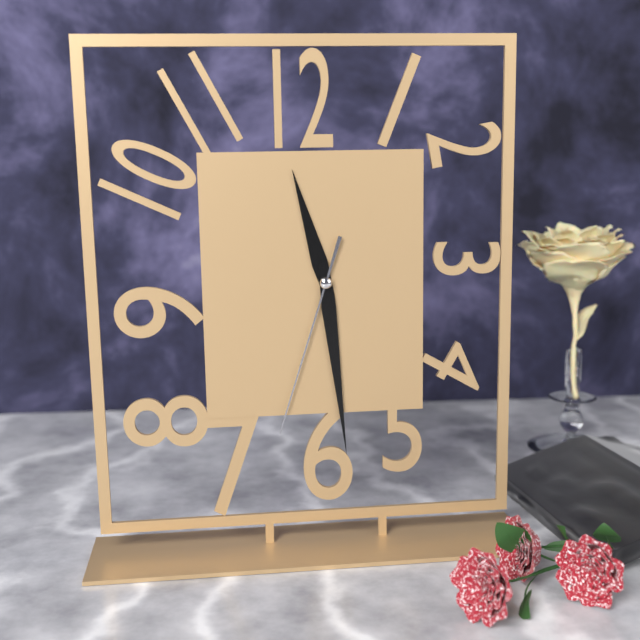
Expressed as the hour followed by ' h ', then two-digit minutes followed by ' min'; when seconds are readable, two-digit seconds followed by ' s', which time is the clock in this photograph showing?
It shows 11 h 29 min 33 s
